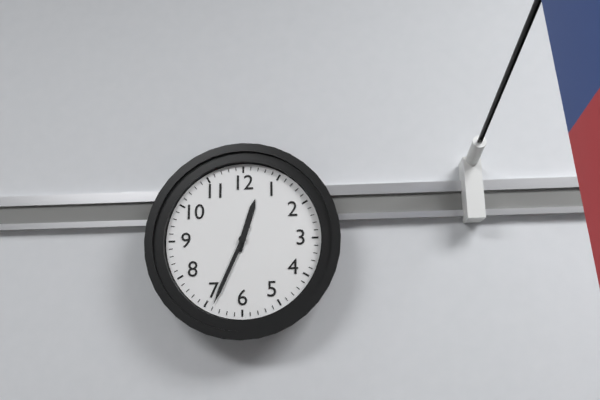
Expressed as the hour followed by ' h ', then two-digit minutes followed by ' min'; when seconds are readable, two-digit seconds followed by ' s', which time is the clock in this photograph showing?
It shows 12 h 34 min
